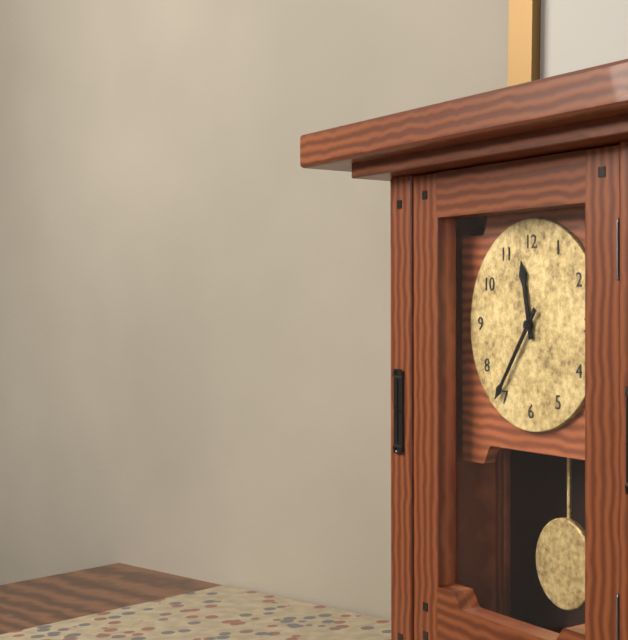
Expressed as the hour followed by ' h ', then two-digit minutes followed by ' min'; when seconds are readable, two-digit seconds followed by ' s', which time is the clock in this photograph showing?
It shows 11 h 36 min
